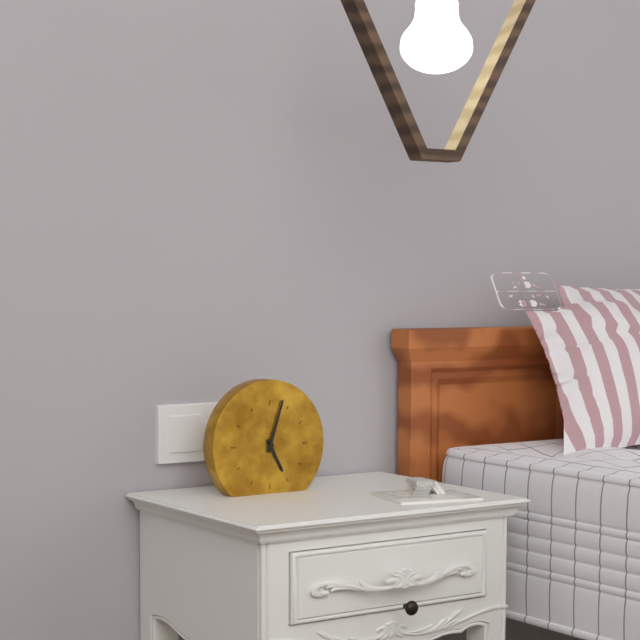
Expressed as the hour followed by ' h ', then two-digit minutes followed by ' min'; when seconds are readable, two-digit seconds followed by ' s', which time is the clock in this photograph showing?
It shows 5 h 03 min
